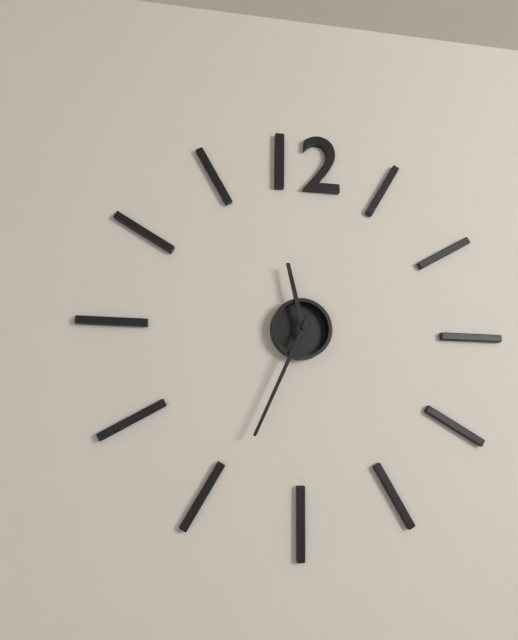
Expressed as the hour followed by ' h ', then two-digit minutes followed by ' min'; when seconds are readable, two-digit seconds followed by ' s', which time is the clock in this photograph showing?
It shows 11 h 34 min
